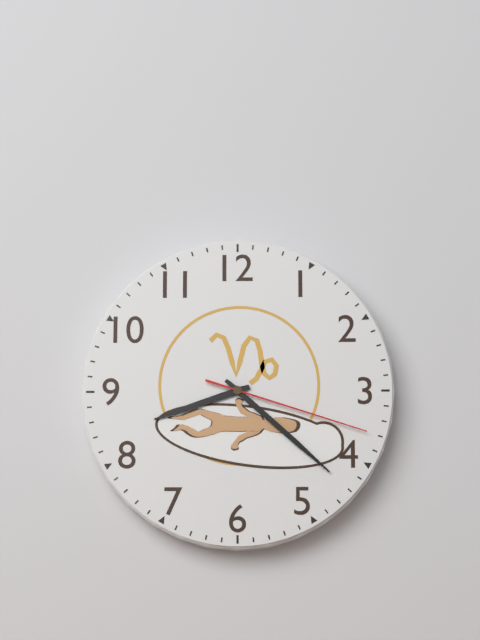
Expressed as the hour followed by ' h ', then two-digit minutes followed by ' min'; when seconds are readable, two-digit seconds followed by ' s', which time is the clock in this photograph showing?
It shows 8 h 22 min 18 s
